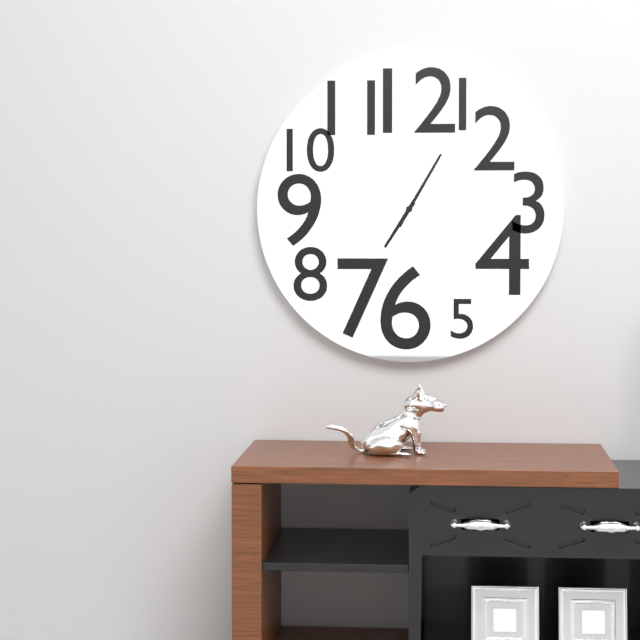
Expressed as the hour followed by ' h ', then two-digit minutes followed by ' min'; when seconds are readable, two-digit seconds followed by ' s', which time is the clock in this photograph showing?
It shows 7 h 05 min
